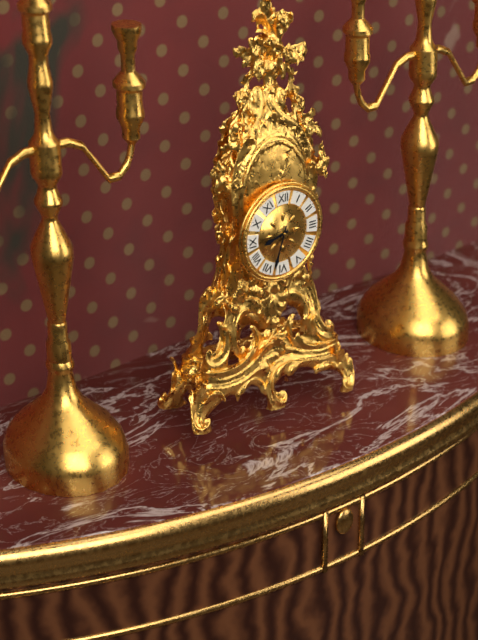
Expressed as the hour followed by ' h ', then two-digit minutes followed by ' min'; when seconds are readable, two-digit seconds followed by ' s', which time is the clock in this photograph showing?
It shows 8 h 33 min
